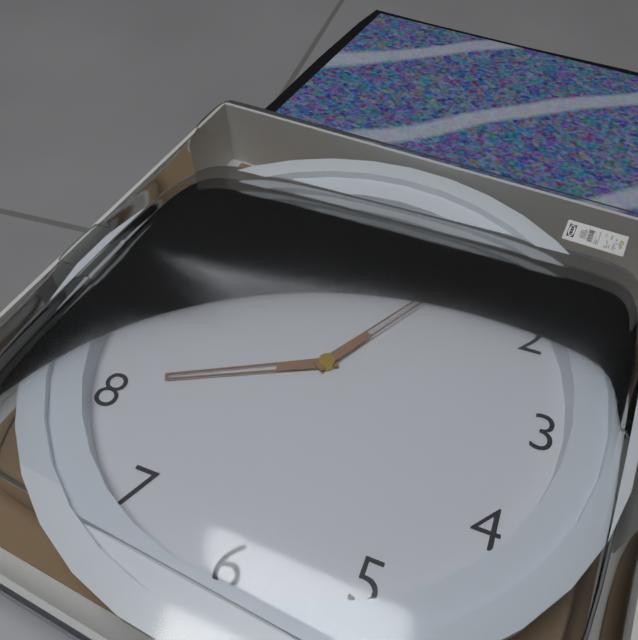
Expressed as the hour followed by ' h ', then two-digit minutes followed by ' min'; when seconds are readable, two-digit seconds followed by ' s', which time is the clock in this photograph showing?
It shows 8 h 05 min
